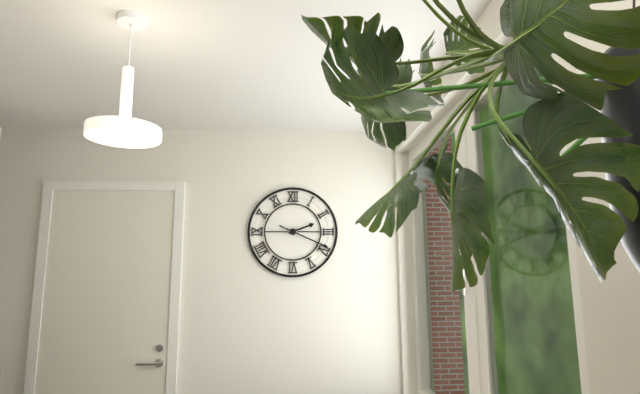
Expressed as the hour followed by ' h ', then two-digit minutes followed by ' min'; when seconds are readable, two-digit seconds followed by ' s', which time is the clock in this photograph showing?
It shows 2 h 19 min
